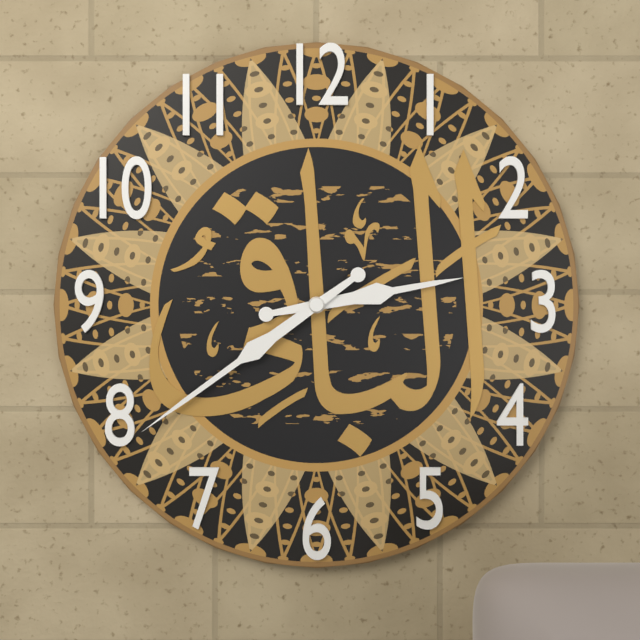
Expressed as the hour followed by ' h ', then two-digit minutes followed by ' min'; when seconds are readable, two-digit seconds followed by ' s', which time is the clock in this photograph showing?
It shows 2 h 39 min
